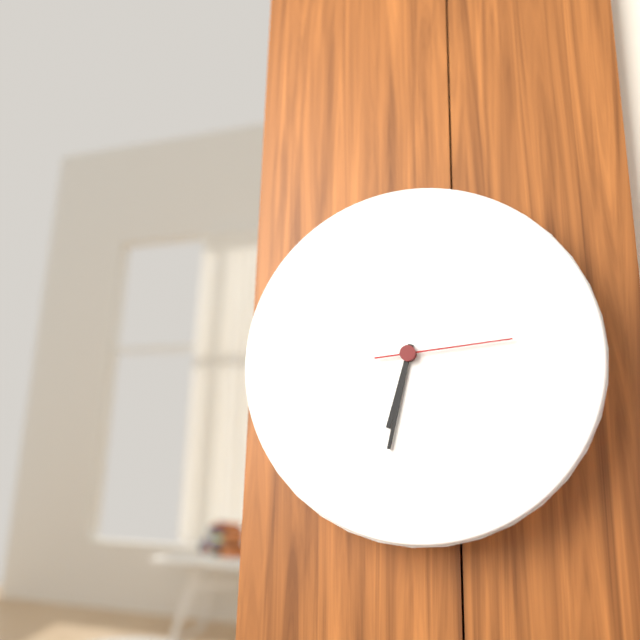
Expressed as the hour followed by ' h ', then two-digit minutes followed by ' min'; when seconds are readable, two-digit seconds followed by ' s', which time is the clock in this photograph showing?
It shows 6 h 32 min 14 s
